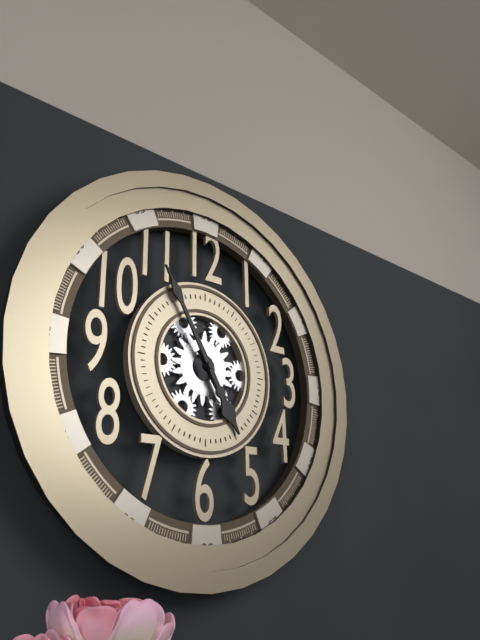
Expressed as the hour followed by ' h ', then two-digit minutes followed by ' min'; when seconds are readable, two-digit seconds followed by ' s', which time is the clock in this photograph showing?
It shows 4 h 55 min
